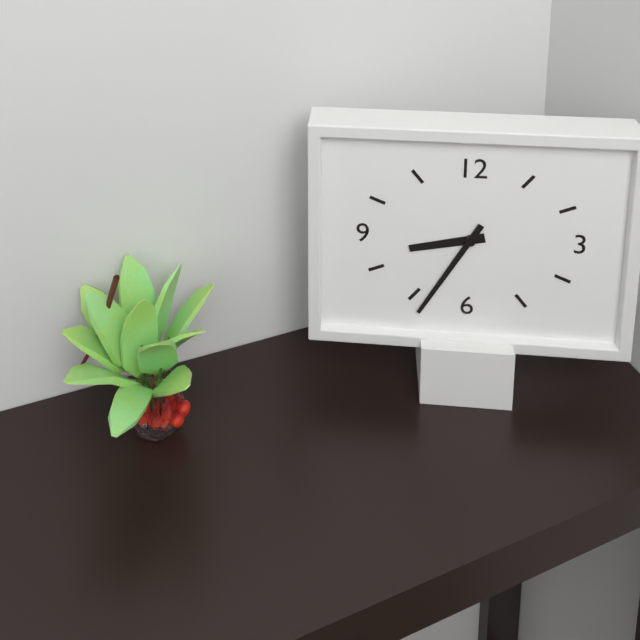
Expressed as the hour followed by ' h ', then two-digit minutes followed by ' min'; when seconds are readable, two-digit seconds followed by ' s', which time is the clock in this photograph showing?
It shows 8 h 35 min
